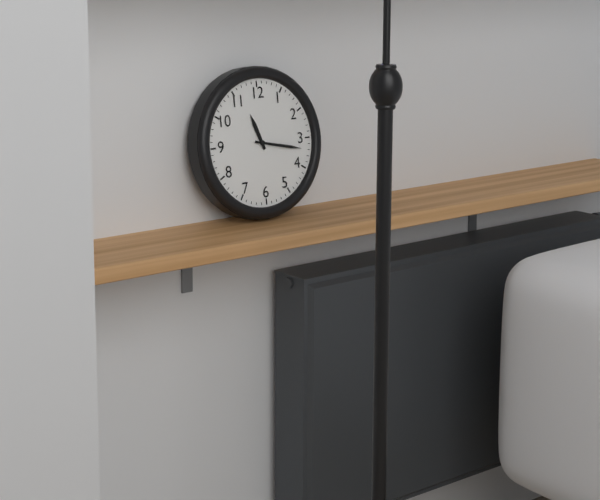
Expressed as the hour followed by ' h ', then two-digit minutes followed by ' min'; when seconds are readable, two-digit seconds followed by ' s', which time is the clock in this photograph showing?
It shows 11 h 17 min
